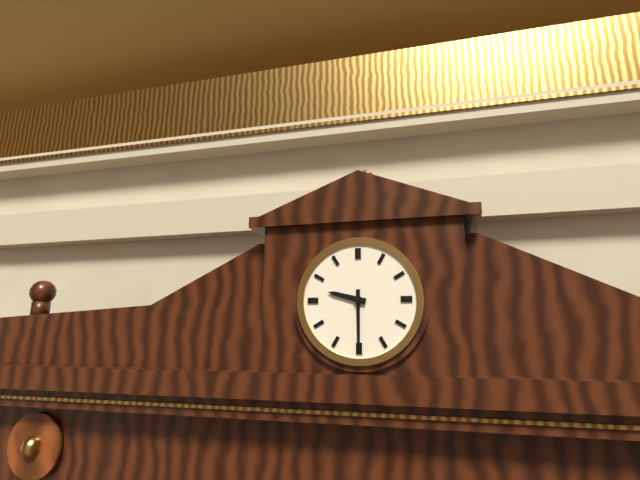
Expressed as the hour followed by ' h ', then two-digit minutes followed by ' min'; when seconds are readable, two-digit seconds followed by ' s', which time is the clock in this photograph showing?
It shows 9 h 30 min
